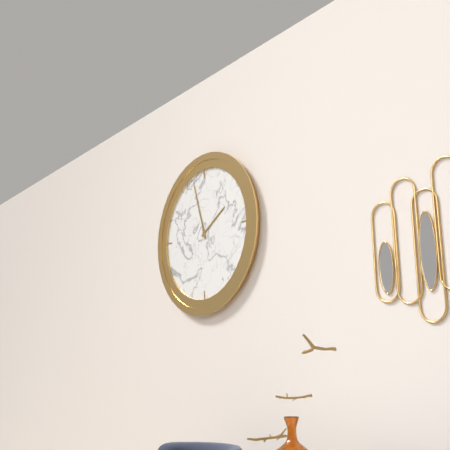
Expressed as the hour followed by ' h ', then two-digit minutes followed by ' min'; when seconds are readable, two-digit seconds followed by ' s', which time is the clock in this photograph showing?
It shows 1 h 57 min
